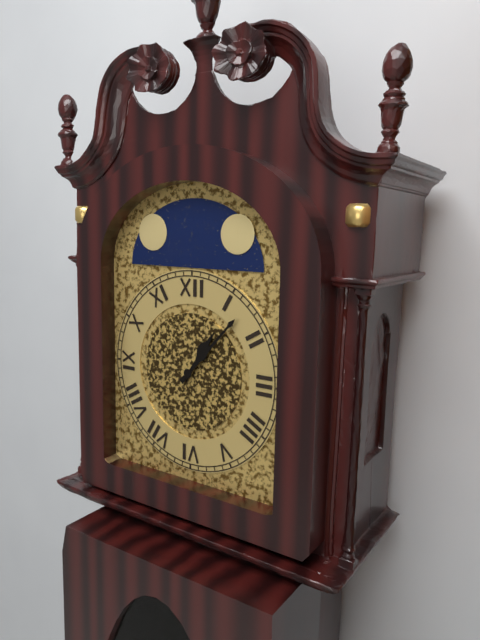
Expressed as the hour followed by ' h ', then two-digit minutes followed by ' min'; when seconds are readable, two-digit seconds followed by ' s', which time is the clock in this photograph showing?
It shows 1 h 07 min
